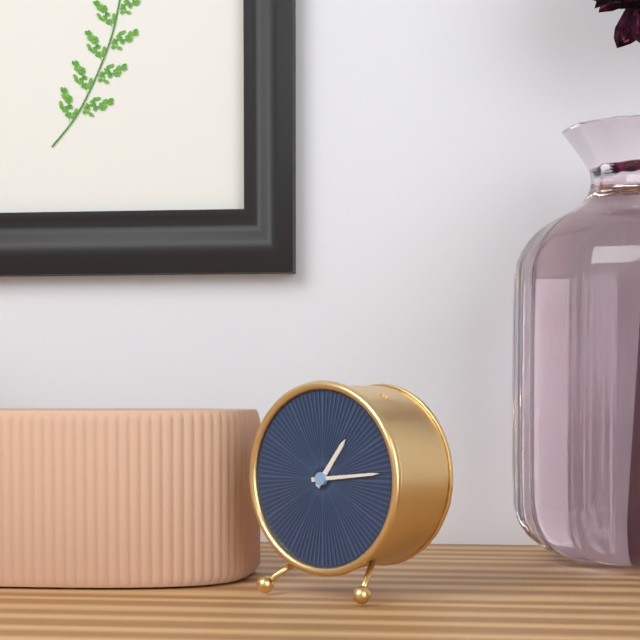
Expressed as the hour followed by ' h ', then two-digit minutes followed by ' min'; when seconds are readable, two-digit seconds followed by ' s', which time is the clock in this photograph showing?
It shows 1 h 14 min
